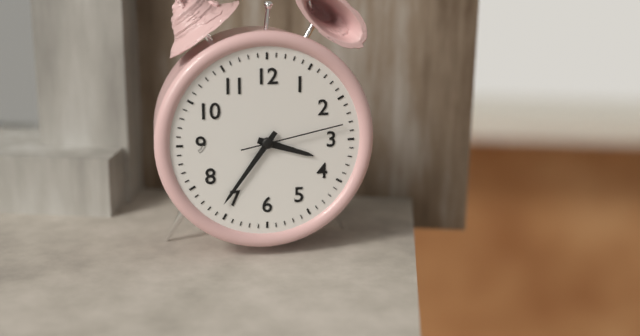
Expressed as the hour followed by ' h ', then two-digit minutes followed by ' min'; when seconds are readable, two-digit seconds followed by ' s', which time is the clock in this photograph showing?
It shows 3 h 36 min 13 s
